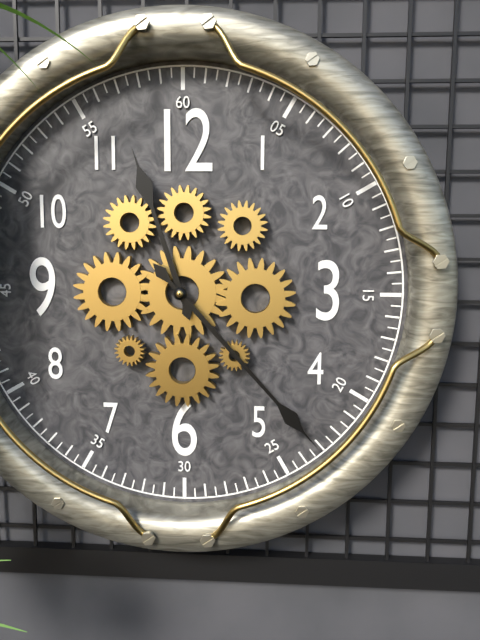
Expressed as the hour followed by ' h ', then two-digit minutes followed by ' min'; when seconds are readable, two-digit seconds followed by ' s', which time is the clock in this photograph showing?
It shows 11 h 23 min
